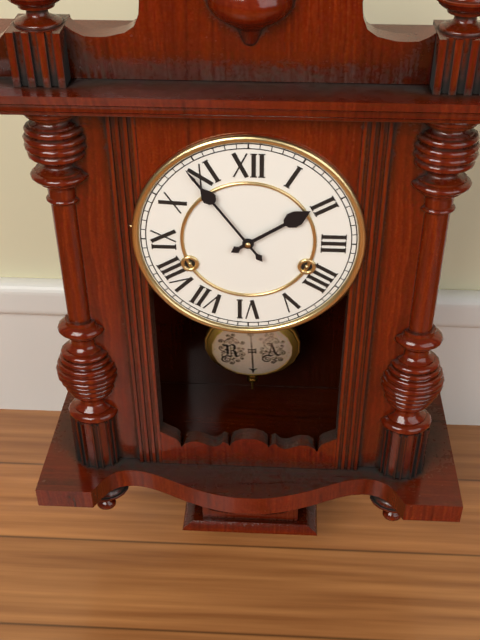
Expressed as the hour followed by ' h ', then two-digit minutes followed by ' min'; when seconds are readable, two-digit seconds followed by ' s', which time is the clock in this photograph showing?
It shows 1 h 54 min
